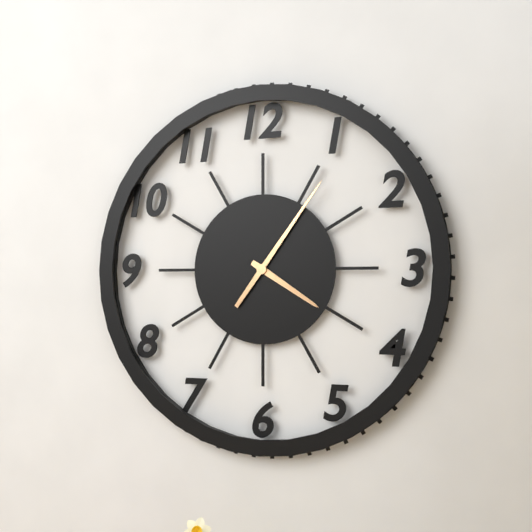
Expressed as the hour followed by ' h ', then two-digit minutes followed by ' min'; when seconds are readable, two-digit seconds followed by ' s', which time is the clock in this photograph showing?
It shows 4 h 06 min
